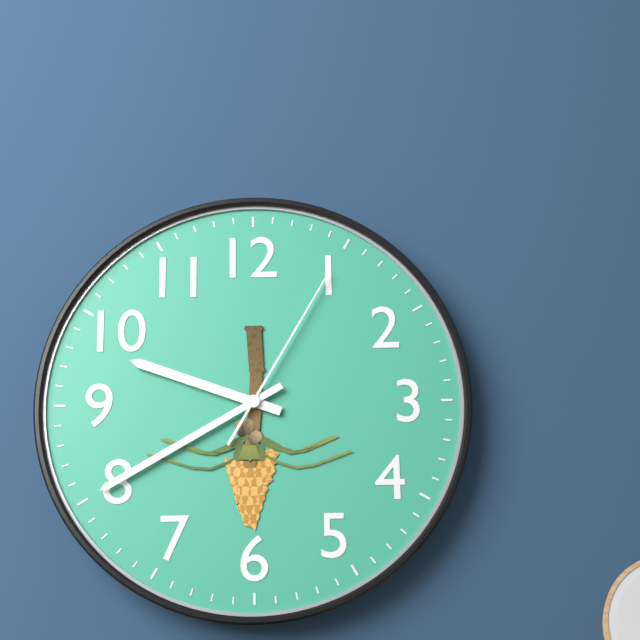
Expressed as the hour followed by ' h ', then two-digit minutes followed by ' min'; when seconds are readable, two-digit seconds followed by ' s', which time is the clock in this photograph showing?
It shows 9 h 40 min 05 s
